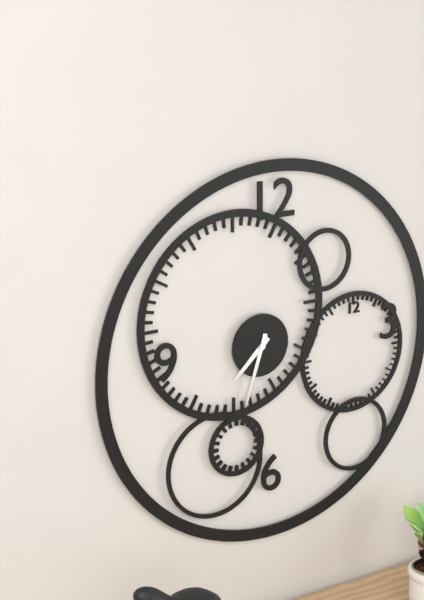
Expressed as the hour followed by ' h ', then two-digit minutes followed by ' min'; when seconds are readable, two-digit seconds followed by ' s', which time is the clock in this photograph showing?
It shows 7 h 33 min
